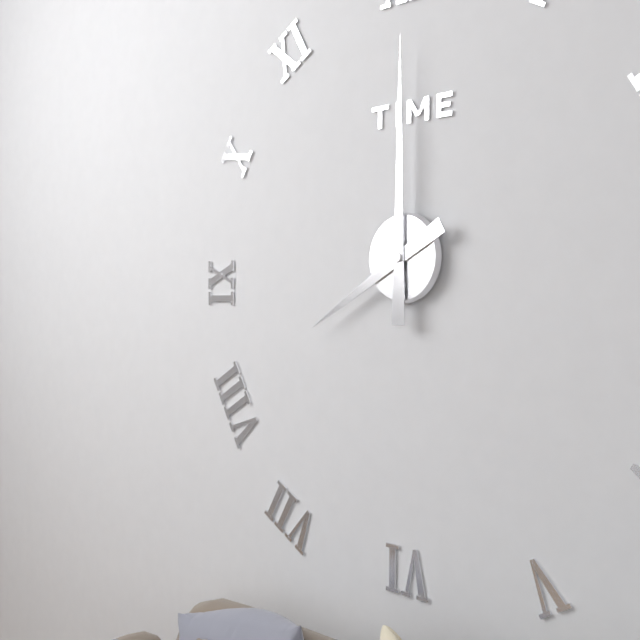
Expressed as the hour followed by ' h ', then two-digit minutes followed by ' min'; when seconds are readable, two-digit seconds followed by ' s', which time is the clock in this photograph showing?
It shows 8 h 00 min
